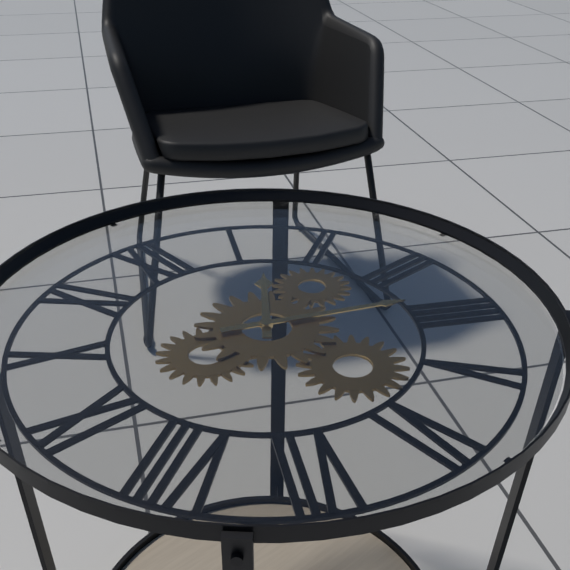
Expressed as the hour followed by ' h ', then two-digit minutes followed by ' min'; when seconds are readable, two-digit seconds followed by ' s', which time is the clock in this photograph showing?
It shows 1 h 19 min
